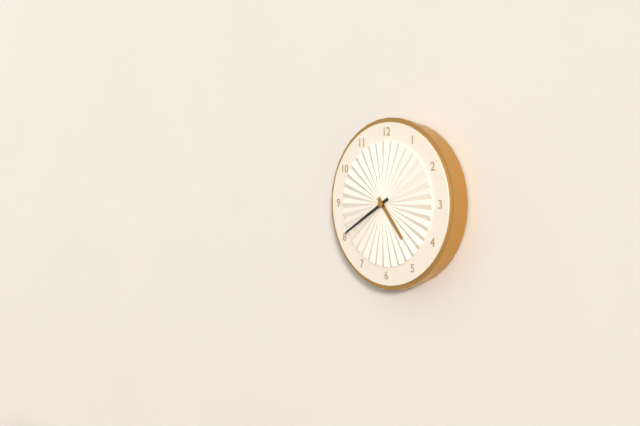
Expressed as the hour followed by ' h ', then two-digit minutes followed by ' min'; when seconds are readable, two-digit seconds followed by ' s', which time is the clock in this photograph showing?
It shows 4 h 40 min
